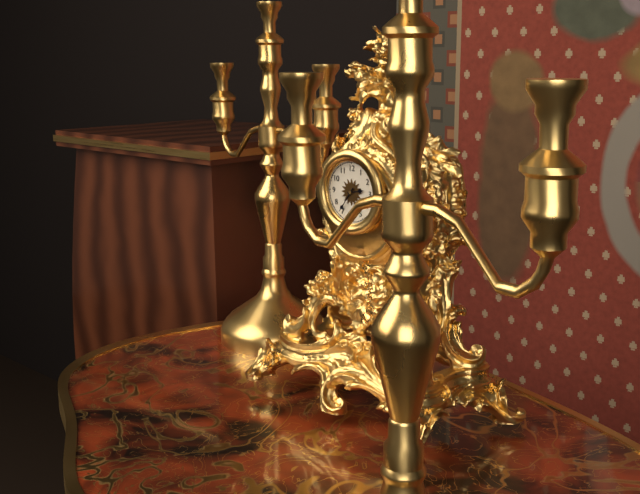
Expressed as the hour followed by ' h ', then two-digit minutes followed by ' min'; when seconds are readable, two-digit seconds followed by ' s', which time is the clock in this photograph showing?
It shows 2 h 36 min
